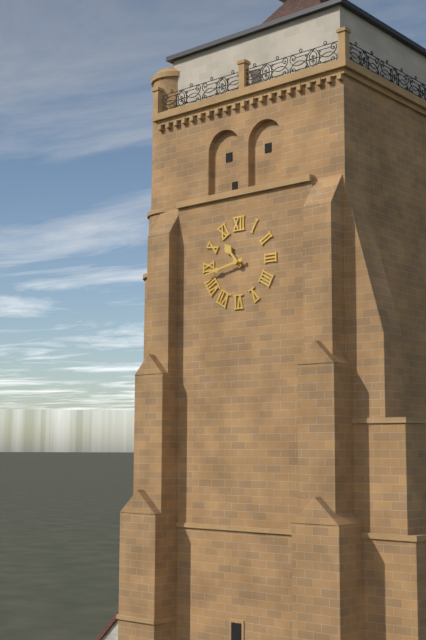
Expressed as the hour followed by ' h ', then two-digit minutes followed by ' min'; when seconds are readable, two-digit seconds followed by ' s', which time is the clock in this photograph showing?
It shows 10 h 43 min
